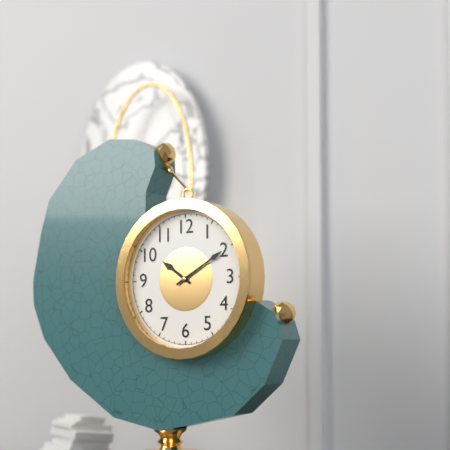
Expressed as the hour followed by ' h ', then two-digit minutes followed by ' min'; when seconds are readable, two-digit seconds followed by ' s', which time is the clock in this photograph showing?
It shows 10 h 10 min
